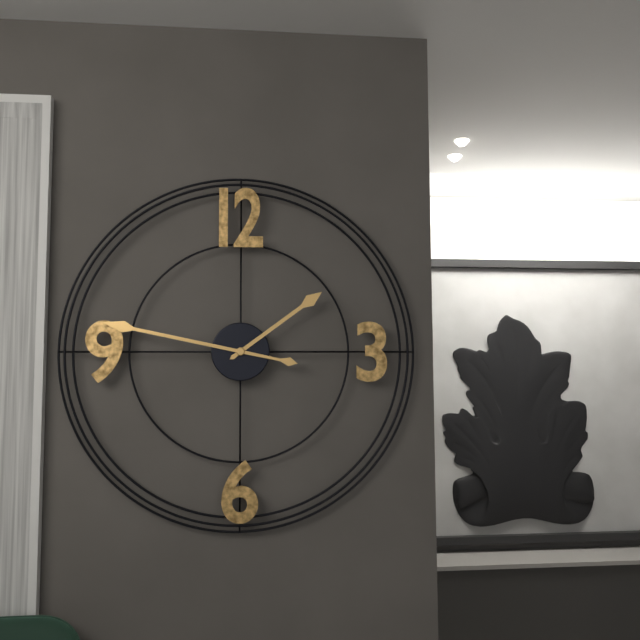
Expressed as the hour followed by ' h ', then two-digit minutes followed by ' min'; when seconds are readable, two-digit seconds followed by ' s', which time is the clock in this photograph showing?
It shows 1 h 47 min
